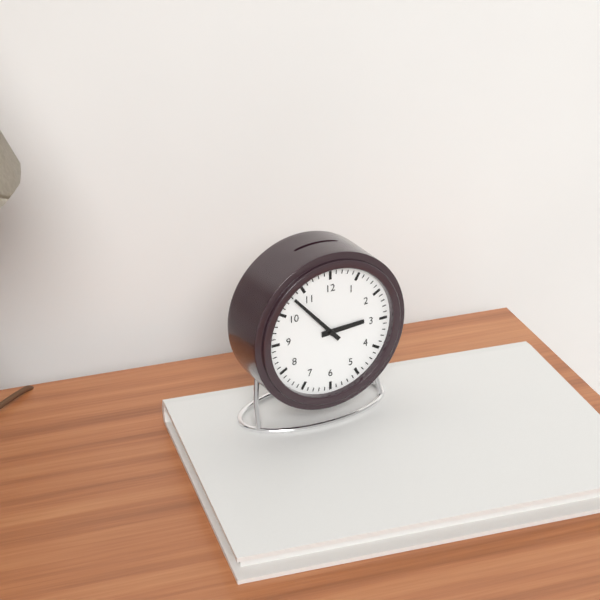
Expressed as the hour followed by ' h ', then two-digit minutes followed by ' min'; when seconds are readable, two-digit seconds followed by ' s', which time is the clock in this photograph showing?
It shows 2 h 53 min
